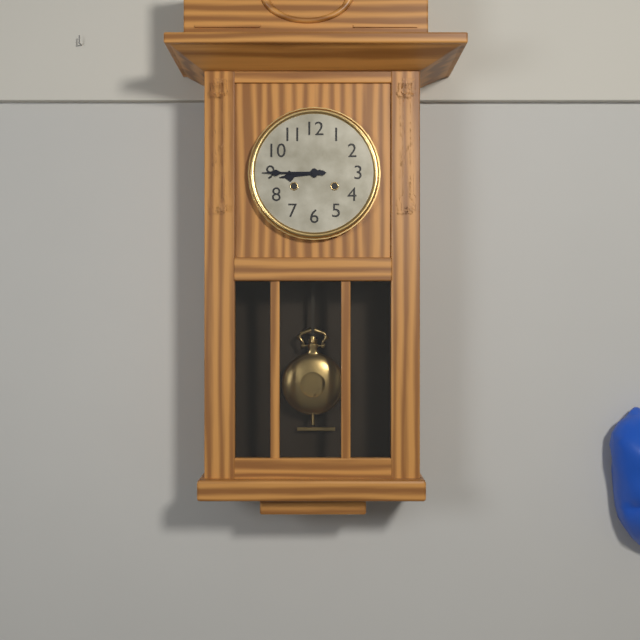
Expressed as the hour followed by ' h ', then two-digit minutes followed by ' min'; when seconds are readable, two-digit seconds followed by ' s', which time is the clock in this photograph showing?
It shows 8 h 45 min
